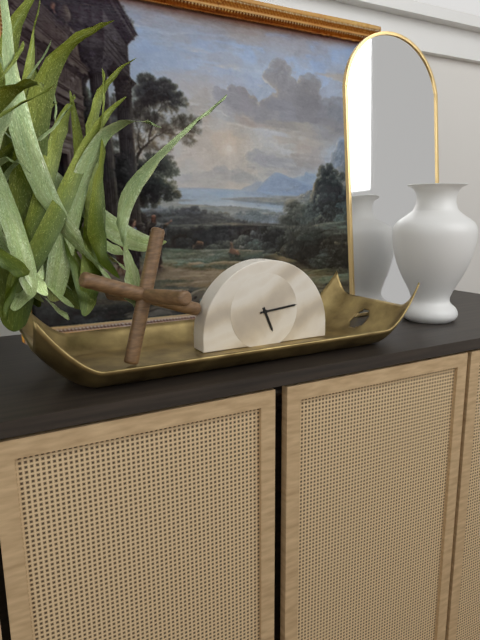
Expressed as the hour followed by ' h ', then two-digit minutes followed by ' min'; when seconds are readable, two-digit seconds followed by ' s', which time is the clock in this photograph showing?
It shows 5 h 14 min
